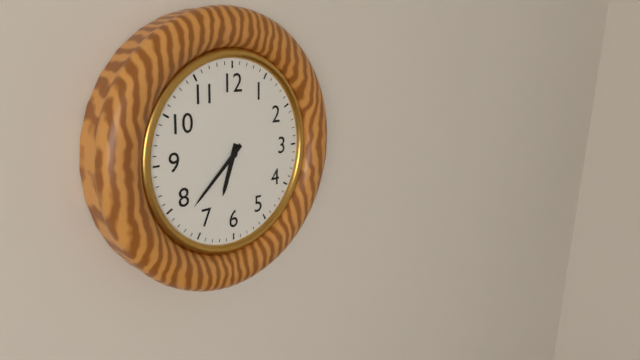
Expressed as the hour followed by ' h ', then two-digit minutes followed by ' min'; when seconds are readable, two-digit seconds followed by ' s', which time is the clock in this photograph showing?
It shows 6 h 38 min
